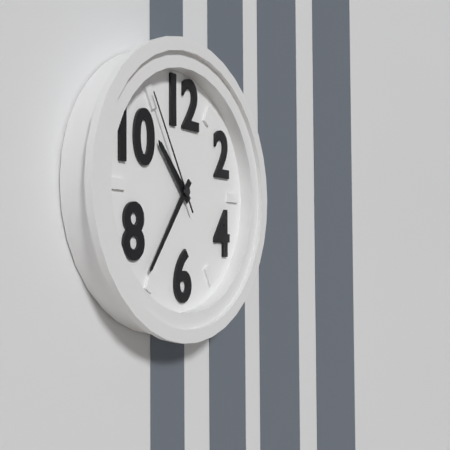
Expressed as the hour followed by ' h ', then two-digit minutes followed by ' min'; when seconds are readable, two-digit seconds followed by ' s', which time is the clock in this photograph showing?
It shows 10 h 36 min 55 s
